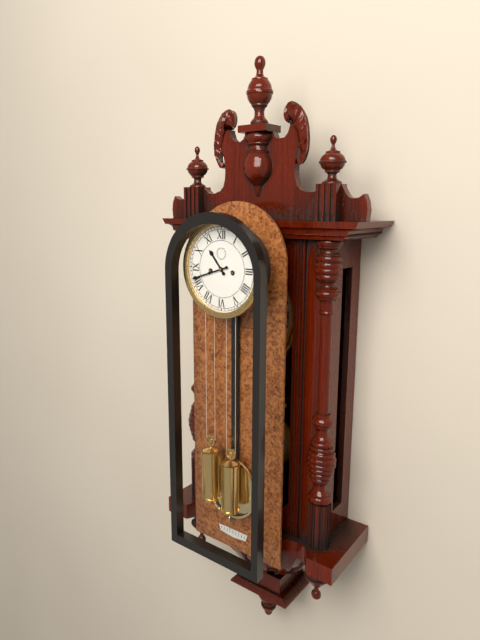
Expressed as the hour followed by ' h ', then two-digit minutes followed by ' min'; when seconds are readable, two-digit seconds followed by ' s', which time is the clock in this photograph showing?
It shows 10 h 42 min
